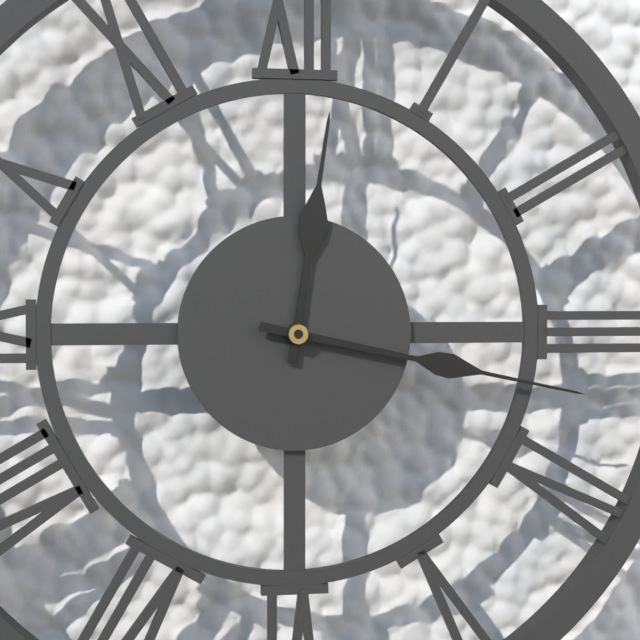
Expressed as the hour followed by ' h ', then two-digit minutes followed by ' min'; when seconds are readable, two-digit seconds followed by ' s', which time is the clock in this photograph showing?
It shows 12 h 17 min
